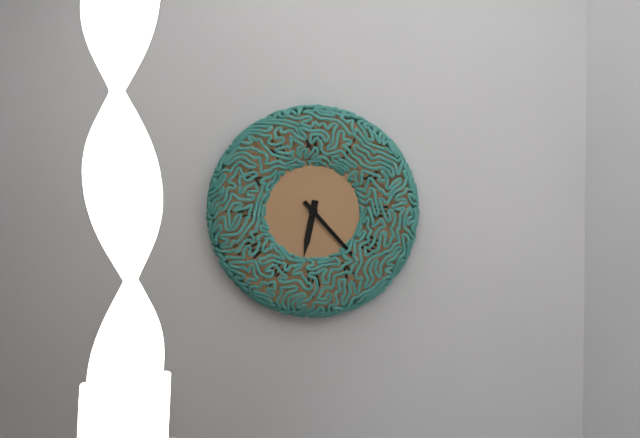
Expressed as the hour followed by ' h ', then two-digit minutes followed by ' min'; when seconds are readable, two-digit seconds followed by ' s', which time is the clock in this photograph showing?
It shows 6 h 23 min
